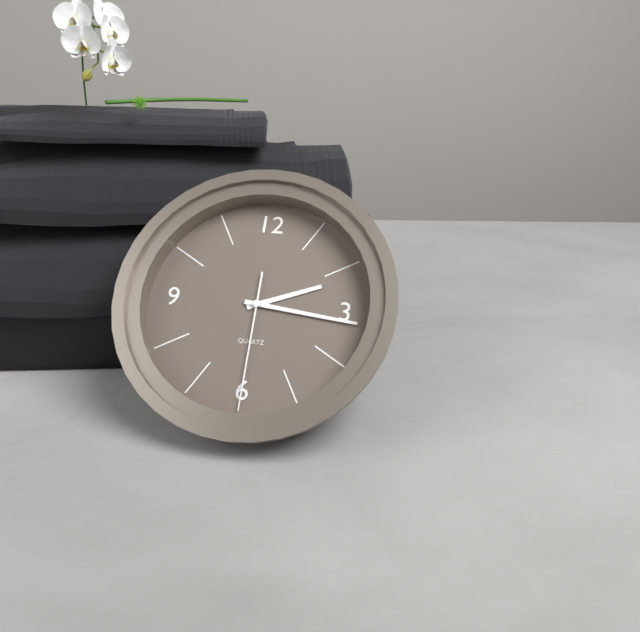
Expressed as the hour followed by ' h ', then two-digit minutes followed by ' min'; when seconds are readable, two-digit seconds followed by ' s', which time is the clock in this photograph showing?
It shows 2 h 16 min 30 s
